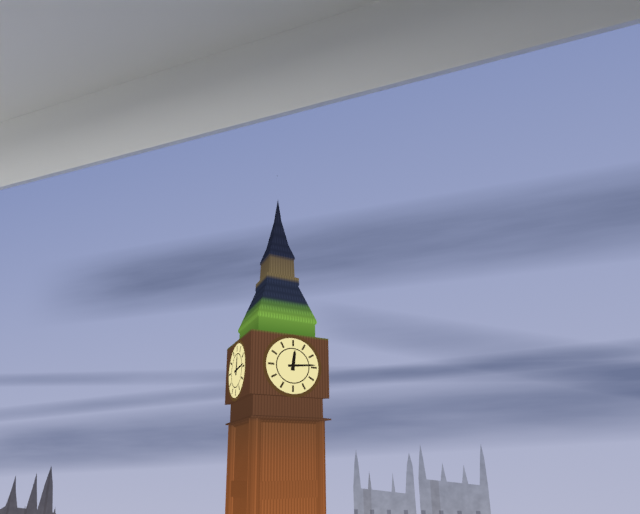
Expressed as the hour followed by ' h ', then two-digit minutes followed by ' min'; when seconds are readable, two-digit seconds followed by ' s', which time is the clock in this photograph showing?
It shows 12 h 14 min
